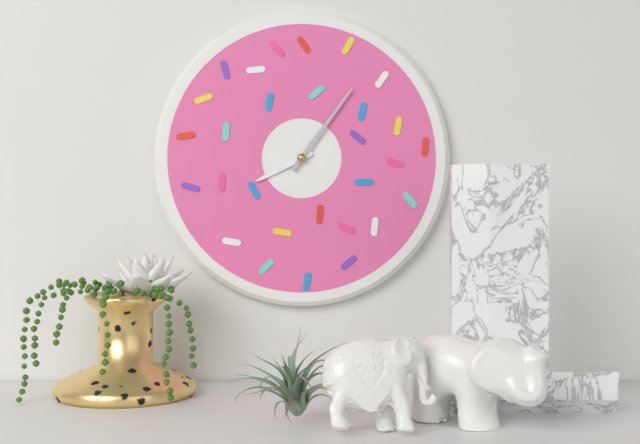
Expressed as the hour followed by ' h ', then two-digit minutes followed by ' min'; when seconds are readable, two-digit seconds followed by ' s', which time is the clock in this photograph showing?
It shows 8 h 06 min
